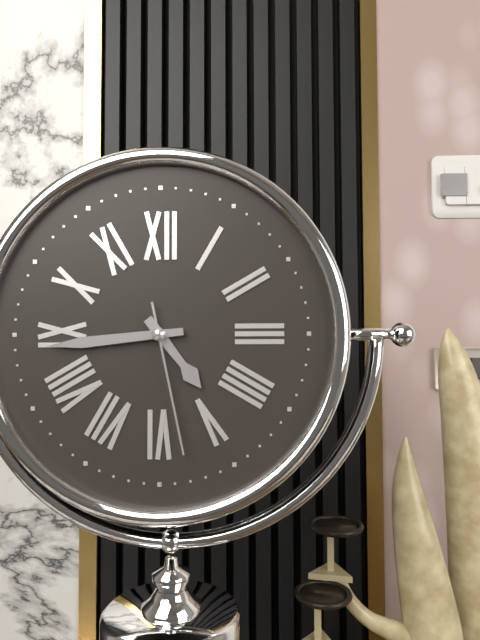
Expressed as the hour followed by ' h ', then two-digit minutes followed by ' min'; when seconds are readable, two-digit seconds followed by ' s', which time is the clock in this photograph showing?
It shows 4 h 44 min 28 s
